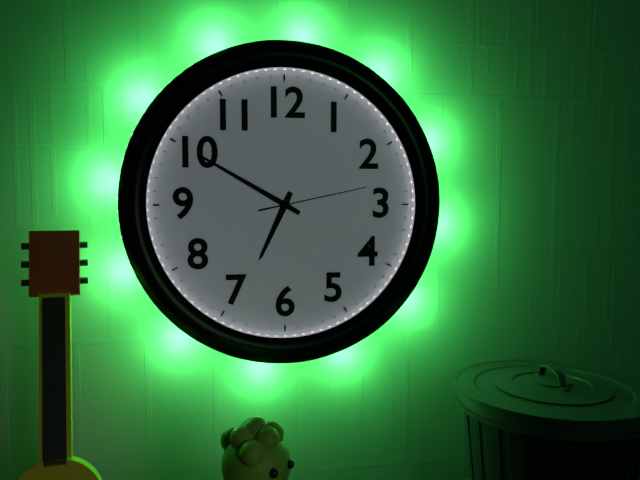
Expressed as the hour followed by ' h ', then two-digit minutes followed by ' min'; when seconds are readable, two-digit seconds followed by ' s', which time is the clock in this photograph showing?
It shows 6 h 50 min 13 s
